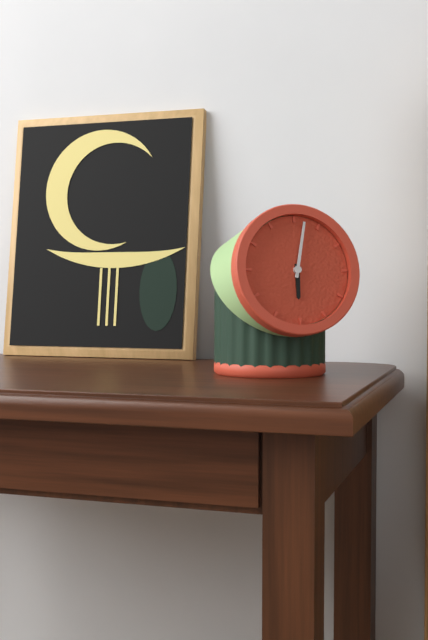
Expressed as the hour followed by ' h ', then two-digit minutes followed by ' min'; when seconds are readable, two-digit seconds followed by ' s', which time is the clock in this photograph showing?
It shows 6 h 02 min
